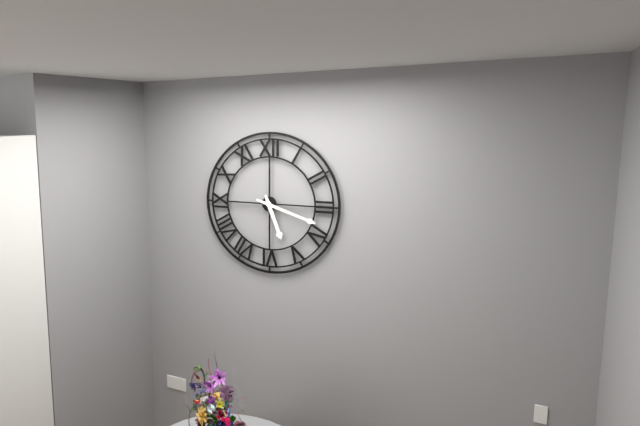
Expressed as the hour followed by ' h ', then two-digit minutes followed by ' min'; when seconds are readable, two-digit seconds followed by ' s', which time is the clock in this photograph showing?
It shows 5 h 18 min
